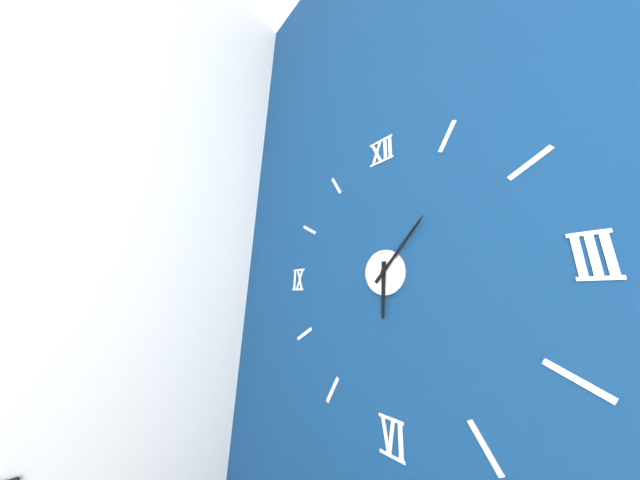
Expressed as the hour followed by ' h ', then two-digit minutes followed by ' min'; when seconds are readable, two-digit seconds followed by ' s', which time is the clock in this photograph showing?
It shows 6 h 07 min
